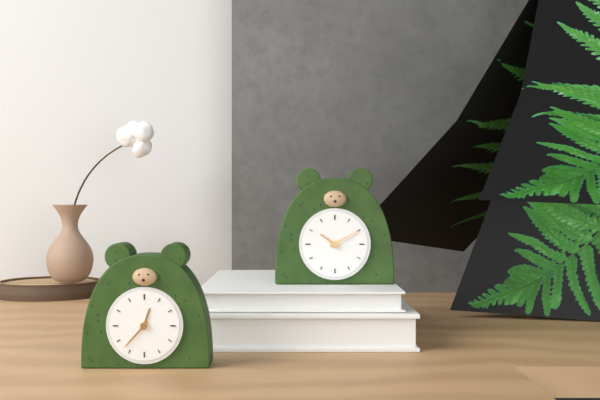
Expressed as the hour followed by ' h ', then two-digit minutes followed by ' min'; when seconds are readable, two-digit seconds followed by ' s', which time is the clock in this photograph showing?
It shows 12 h 37 min
